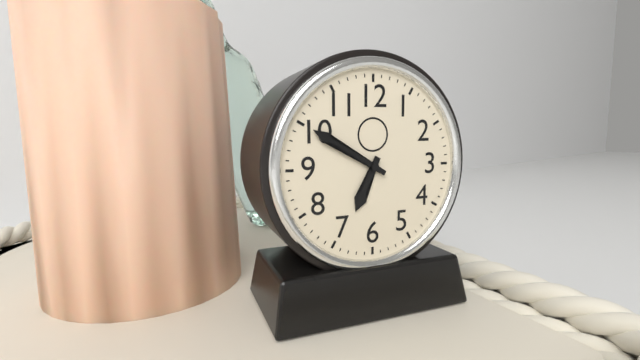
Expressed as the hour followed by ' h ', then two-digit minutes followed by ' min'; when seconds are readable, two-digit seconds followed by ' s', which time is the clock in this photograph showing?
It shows 6 h 50 min
